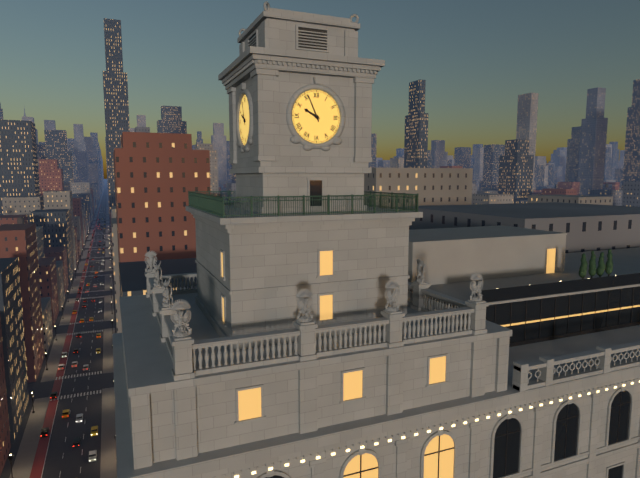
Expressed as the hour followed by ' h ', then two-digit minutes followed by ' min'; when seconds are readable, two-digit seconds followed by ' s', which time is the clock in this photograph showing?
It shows 9 h 56 min
